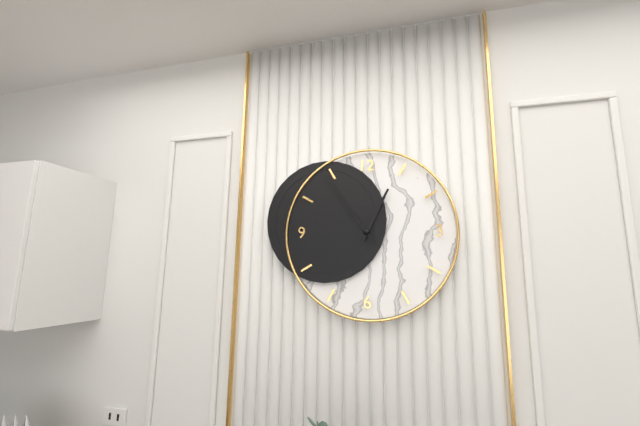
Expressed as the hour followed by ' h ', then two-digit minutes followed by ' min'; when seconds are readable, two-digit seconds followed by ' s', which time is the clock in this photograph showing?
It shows 12 h 54 min
